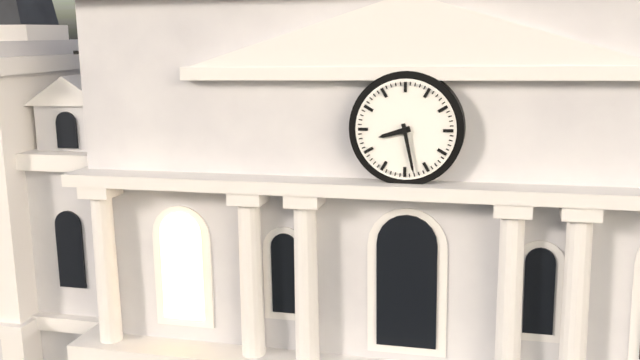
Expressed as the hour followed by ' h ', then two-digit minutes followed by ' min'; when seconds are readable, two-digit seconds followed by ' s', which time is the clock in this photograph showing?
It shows 8 h 28 min
